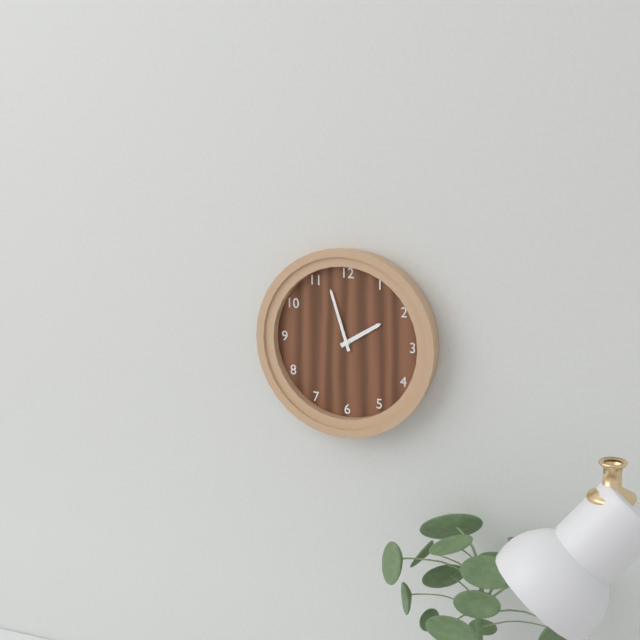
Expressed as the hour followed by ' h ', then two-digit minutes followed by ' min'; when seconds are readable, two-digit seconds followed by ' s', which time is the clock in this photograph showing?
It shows 1 h 57 min
